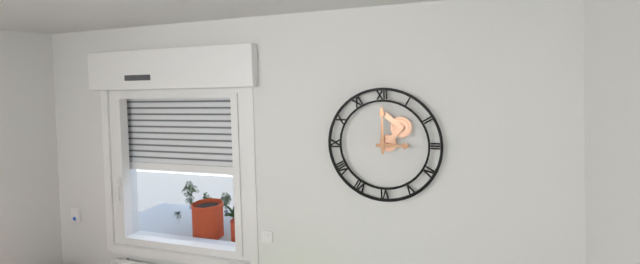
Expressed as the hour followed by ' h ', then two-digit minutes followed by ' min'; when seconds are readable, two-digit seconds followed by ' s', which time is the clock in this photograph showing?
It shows 3 h 00 min
